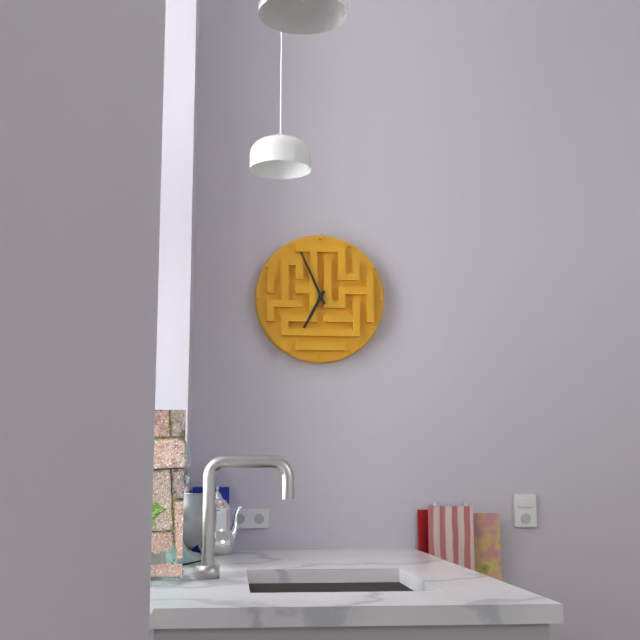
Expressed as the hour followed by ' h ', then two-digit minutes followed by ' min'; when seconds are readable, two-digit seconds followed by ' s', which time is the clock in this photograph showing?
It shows 6 h 56 min
